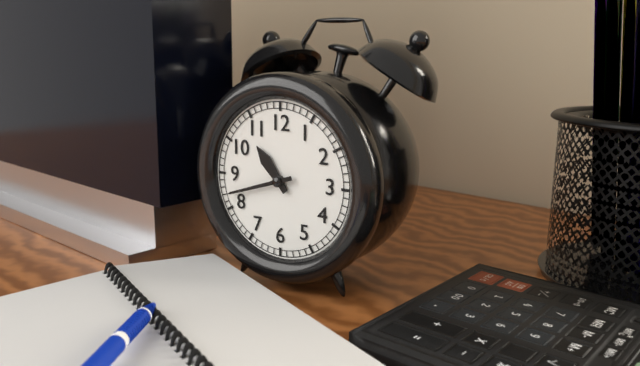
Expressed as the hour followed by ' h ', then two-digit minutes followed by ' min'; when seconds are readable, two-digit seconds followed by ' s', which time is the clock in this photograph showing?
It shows 10 h 42 min
